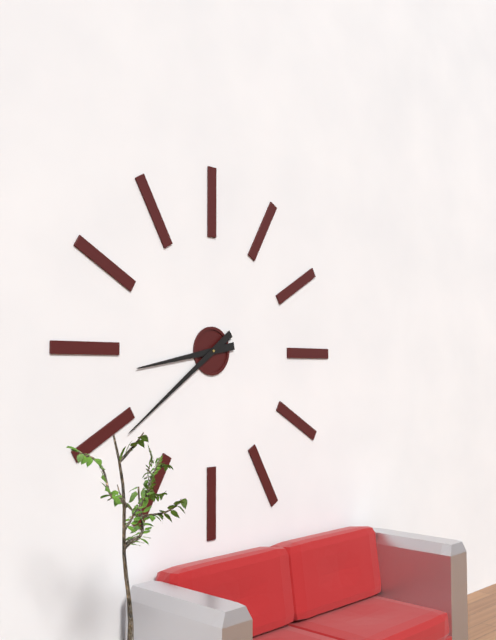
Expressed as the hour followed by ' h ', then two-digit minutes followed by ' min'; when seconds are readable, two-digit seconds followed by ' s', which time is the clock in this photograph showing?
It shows 8 h 39 min
